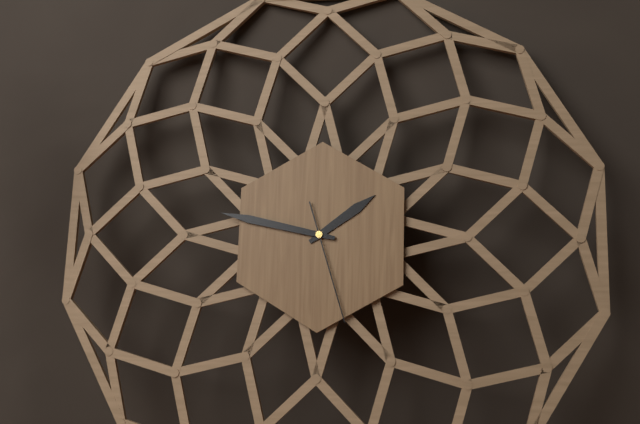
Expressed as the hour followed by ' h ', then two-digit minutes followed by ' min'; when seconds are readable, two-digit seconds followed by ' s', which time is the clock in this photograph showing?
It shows 1 h 47 min 27 s
